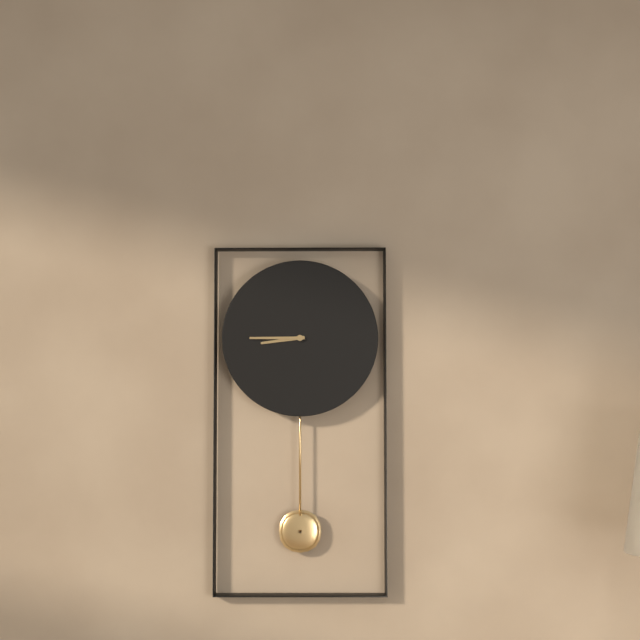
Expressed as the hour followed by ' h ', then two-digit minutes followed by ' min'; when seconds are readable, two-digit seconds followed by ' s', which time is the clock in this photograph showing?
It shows 8 h 45 min
